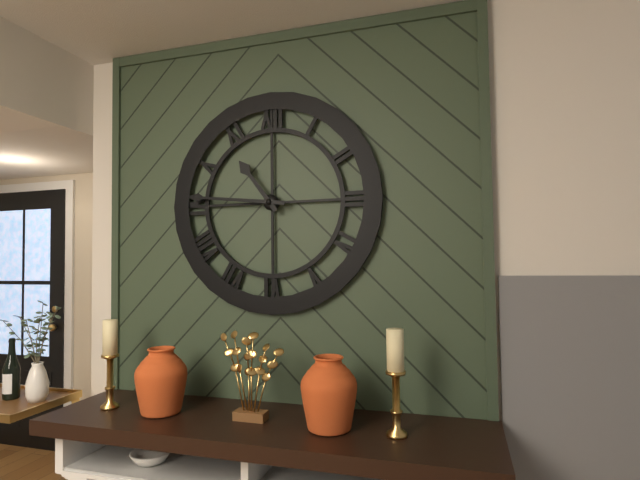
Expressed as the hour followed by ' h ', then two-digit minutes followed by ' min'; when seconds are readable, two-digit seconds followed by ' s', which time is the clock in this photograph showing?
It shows 10 h 46 min
